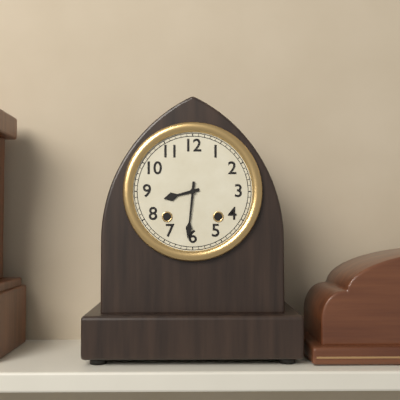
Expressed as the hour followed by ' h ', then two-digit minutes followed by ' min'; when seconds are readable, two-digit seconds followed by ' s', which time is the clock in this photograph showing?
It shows 8 h 31 min
